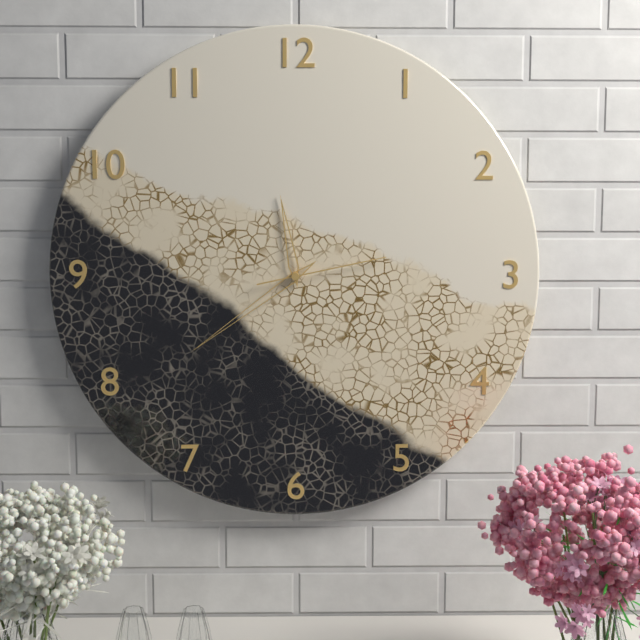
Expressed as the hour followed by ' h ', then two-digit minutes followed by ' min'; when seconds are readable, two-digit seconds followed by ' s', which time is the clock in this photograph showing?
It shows 11 h 39 min 13 s
